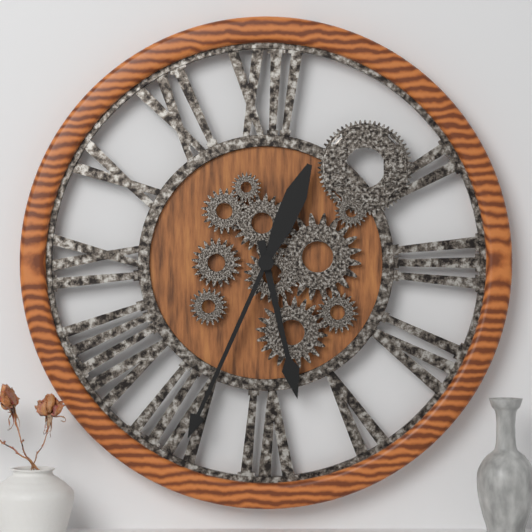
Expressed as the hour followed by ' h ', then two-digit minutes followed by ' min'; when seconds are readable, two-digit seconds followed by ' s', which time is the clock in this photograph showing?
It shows 5 h 34 min
